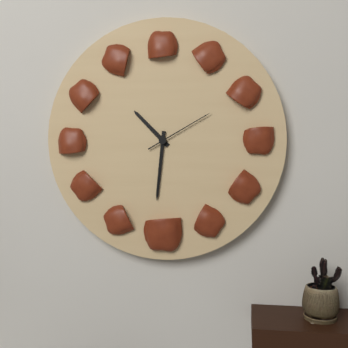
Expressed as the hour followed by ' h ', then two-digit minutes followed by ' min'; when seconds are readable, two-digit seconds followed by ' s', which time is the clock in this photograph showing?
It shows 10 h 31 min 10 s
